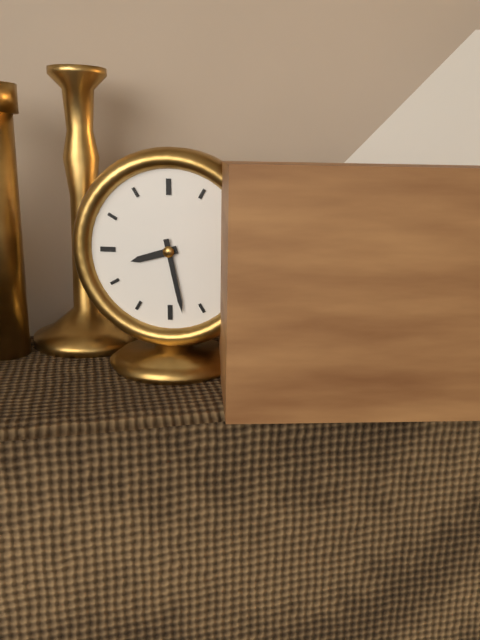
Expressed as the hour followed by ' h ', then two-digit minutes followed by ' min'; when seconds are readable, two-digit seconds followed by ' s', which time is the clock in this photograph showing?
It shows 8 h 28 min
